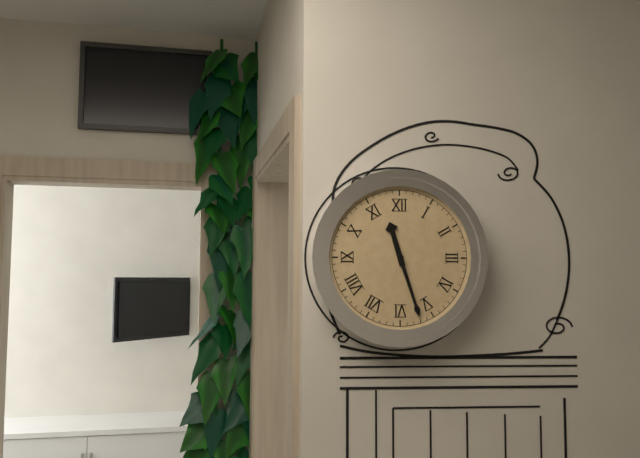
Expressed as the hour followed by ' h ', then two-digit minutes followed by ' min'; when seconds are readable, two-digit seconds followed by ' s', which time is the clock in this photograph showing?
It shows 11 h 27 min
